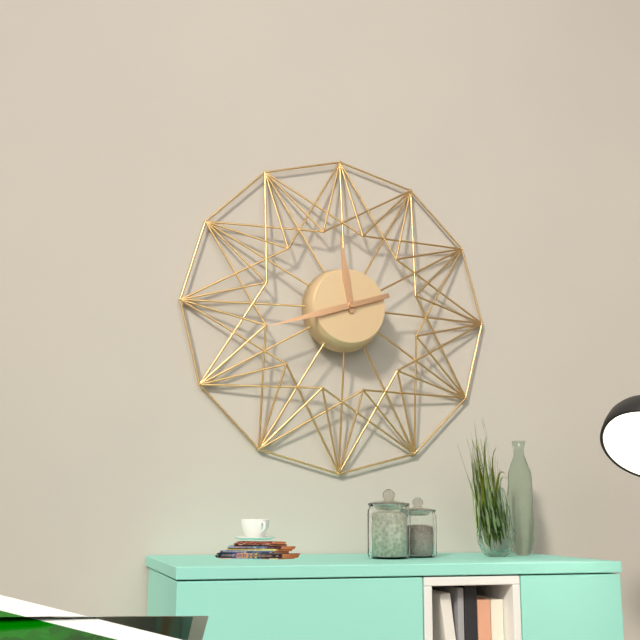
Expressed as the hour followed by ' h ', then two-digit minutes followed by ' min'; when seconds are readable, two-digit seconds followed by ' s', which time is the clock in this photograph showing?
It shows 11 h 42 min
